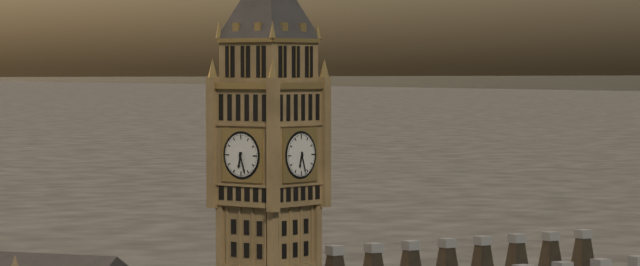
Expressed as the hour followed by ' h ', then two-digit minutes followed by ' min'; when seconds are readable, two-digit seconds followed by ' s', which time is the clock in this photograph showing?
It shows 6 h 27 min
